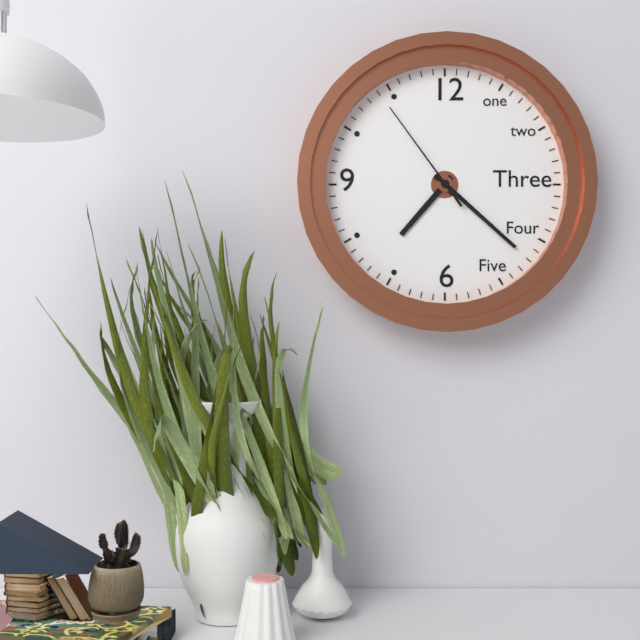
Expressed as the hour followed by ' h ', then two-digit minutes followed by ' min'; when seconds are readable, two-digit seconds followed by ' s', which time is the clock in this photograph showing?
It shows 7 h 22 min 54 s
